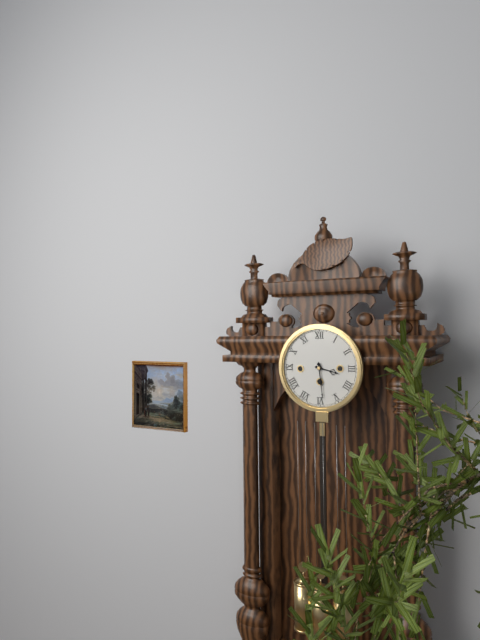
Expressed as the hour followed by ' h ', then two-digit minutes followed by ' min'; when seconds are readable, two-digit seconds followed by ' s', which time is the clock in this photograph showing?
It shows 3 h 29 min
